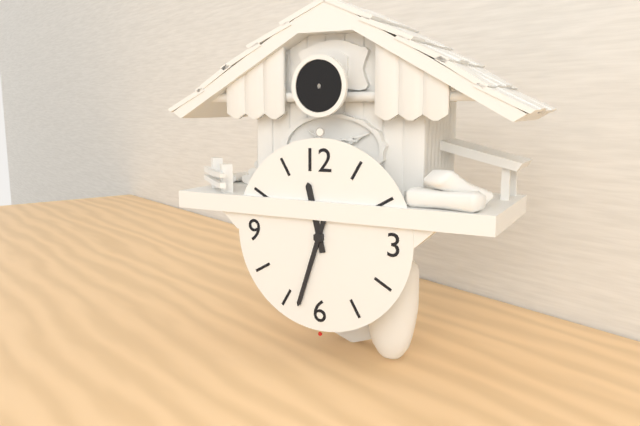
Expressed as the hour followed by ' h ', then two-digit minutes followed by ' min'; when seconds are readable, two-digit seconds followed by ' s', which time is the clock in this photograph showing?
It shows 11 h 33 min
